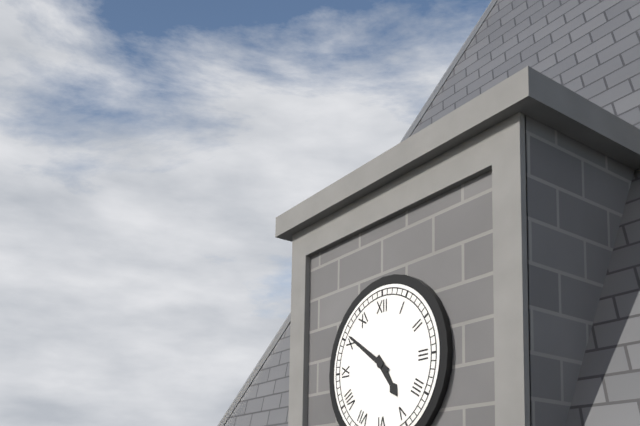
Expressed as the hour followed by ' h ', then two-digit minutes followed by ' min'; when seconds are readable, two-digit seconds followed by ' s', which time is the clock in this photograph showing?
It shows 4 h 51 min
